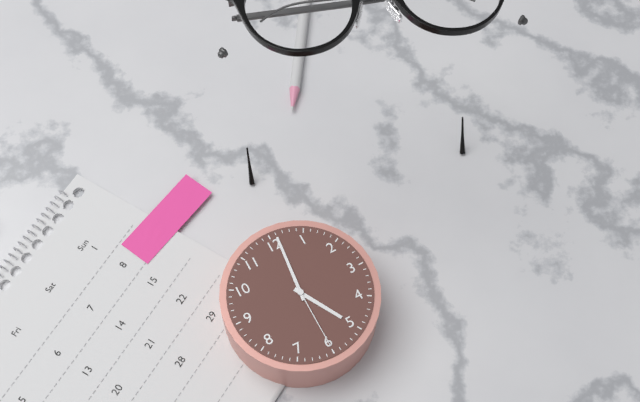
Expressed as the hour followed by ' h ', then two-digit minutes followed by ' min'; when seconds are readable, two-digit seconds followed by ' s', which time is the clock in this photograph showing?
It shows 5 h 01 min 30 s
